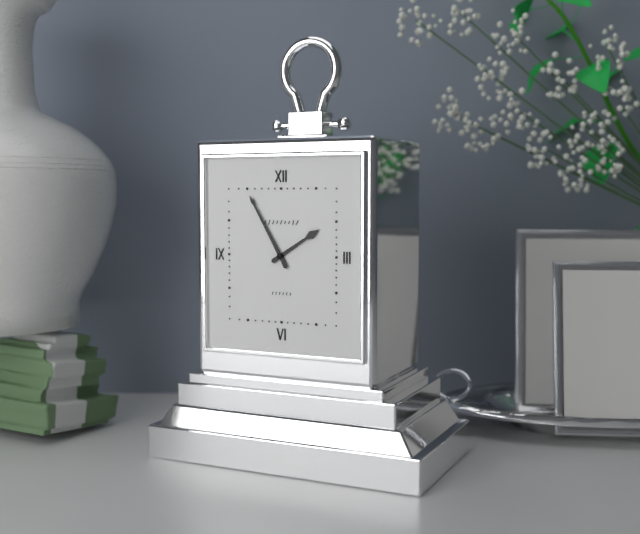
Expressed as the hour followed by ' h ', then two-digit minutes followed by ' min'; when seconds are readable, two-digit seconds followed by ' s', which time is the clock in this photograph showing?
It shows 1 h 55 min
